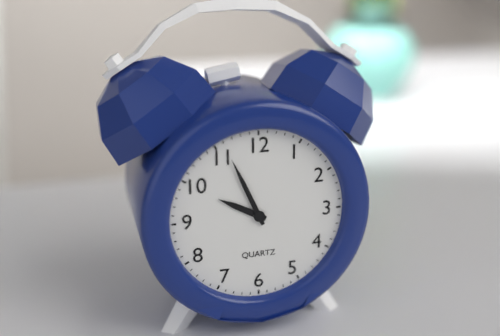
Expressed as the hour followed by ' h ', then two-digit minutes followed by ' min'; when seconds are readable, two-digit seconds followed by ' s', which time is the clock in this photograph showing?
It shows 9 h 56 min
